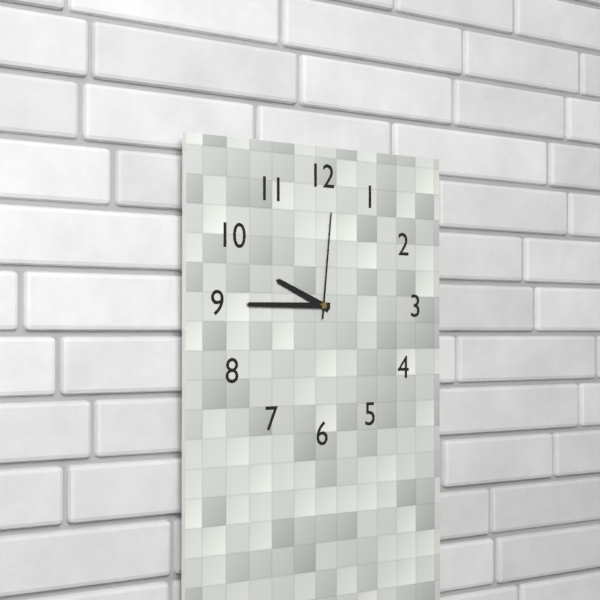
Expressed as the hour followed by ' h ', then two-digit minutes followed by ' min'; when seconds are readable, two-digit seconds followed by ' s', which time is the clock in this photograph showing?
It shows 9 h 45 min 01 s
